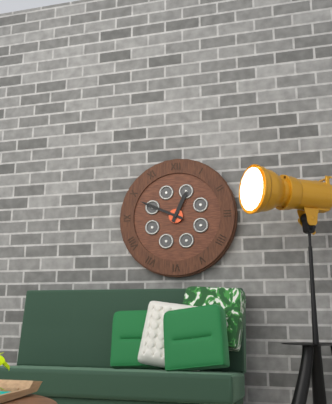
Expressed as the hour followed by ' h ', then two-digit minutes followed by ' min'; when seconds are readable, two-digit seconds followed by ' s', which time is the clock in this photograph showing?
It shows 12 h 49 min
